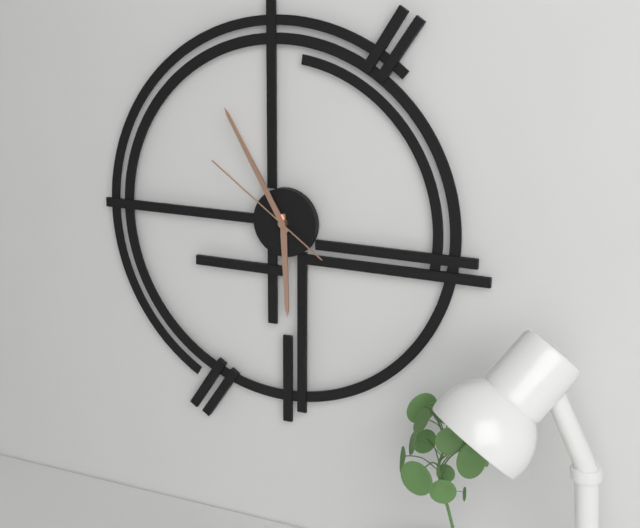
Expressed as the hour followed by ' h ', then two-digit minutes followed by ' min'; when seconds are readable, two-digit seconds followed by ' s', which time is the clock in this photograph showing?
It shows 5 h 55 min 51 s
